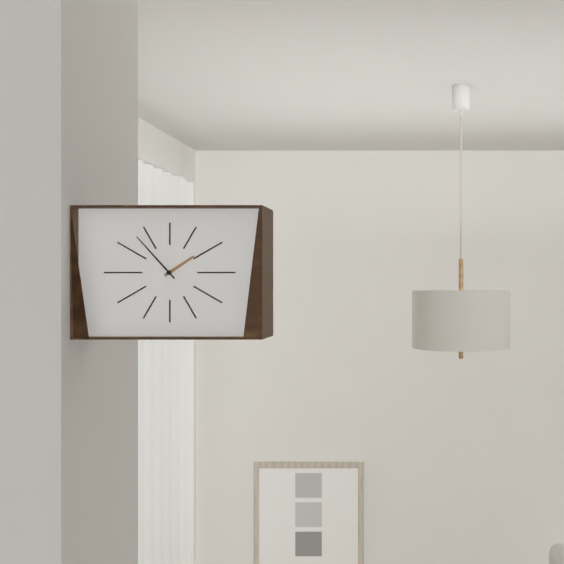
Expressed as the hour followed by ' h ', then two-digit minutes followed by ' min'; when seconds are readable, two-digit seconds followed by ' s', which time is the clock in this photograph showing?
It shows 1 h 53 min
